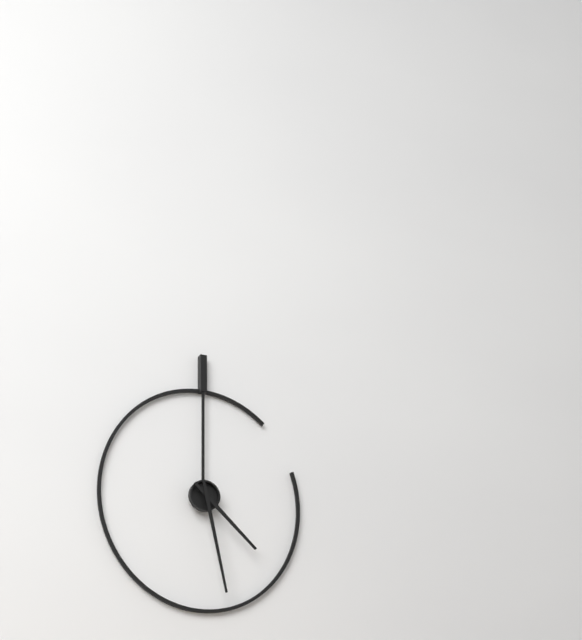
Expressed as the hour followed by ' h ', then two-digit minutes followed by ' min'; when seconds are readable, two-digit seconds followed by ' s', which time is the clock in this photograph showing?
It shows 4 h 28 min
